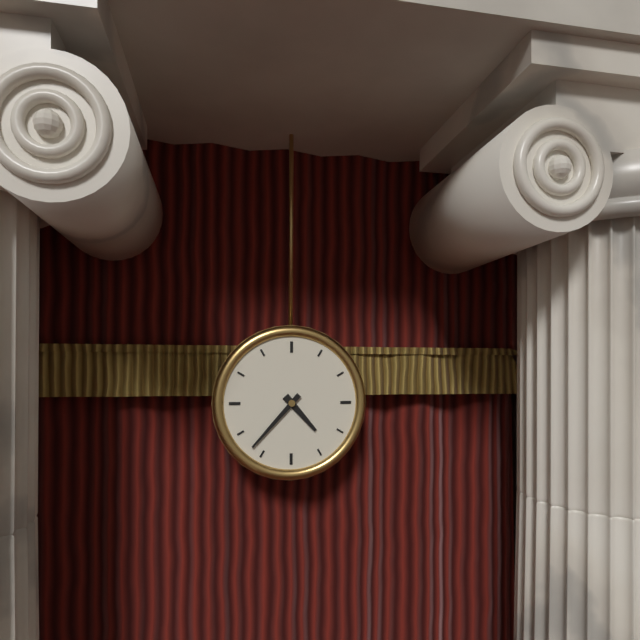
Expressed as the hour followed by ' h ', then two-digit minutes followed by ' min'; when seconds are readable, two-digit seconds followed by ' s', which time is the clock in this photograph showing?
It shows 4 h 37 min
